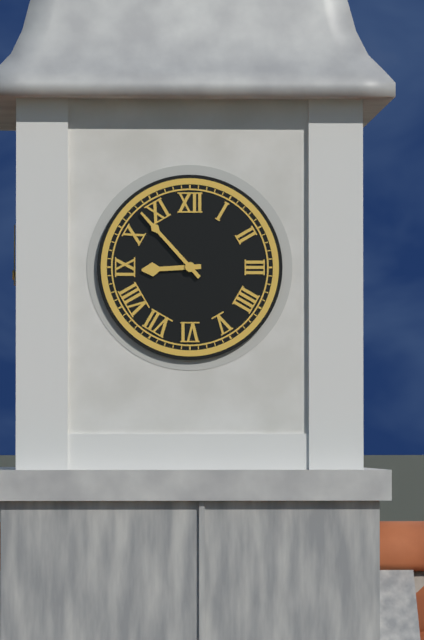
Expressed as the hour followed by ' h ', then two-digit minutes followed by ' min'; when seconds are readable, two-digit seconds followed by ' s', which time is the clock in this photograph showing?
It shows 8 h 53 min
